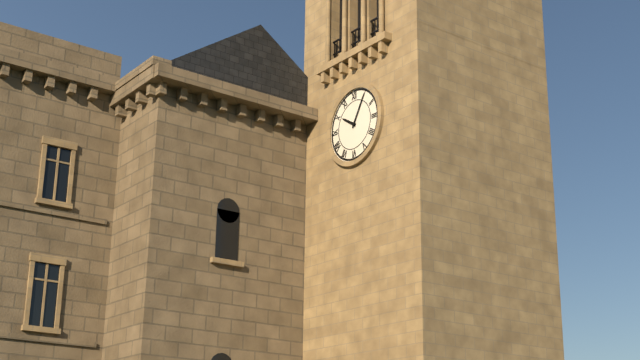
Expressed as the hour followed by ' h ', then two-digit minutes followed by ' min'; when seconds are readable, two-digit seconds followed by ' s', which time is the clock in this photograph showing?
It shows 10 h 05 min
